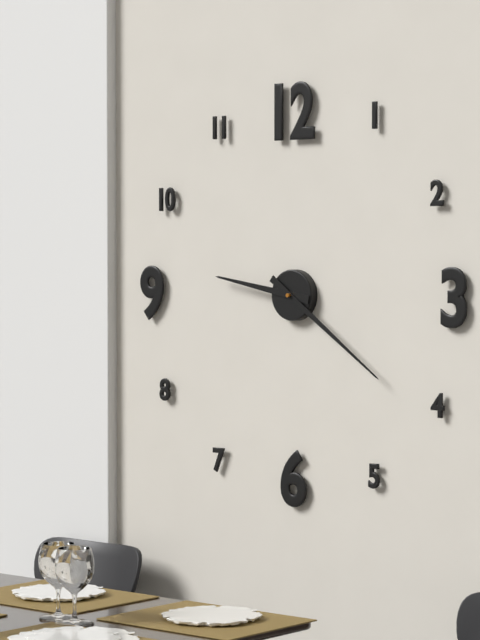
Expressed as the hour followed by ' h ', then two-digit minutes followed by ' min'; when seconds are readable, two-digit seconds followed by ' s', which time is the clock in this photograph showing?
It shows 9 h 21 min
